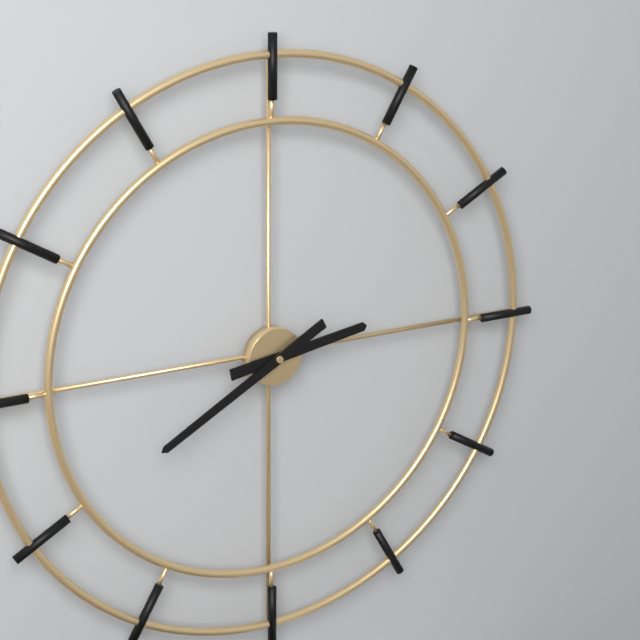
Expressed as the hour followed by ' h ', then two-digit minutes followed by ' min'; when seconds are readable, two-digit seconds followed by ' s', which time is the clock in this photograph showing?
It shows 2 h 40 min
